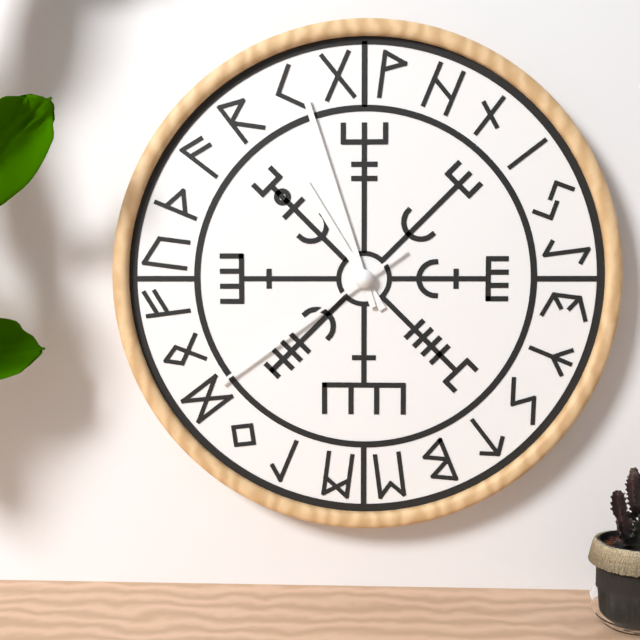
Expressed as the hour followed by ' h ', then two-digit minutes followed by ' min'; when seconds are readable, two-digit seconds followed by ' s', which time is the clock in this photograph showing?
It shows 10 h 57 min 39 s
